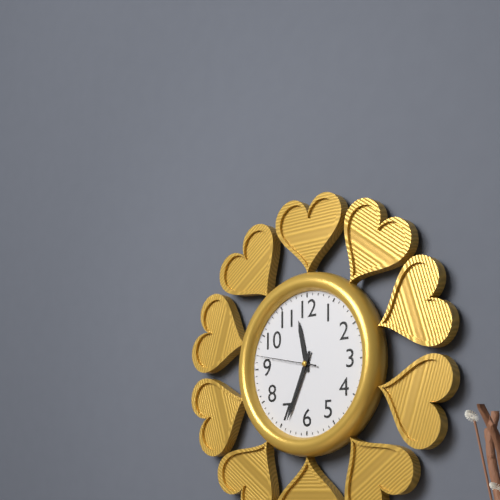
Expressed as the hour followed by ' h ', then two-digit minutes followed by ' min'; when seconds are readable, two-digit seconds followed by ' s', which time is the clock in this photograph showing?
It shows 11 h 34 min 47 s
